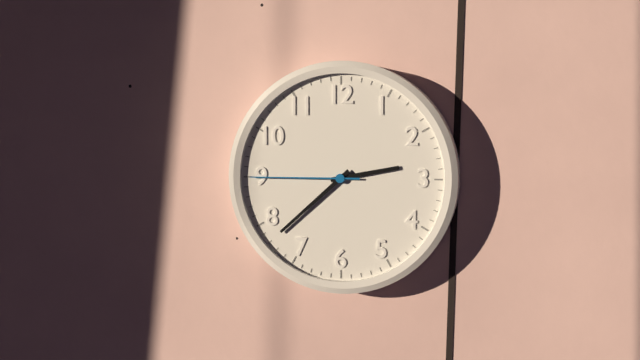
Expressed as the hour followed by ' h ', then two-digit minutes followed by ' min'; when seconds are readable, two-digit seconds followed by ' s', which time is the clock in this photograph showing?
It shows 2 h 38 min 45 s
